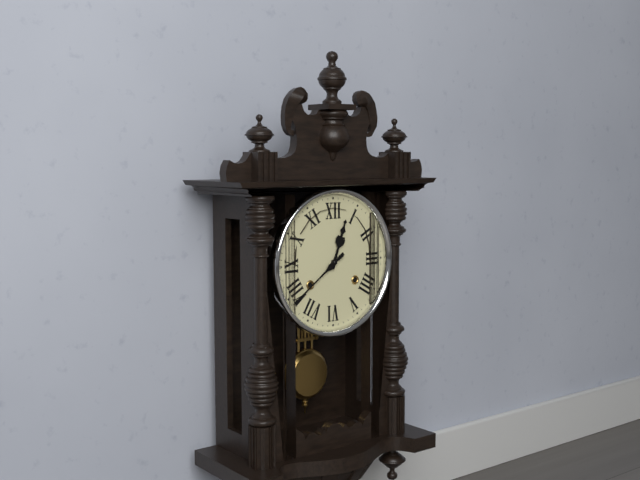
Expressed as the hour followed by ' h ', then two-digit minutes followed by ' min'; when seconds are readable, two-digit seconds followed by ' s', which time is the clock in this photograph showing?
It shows 12 h 39 min
